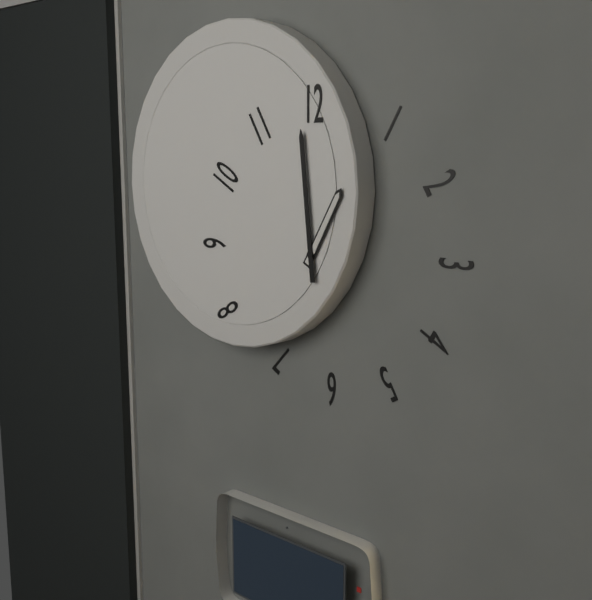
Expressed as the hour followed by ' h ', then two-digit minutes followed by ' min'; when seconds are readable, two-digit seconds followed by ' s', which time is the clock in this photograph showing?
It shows 12 h 59 min
